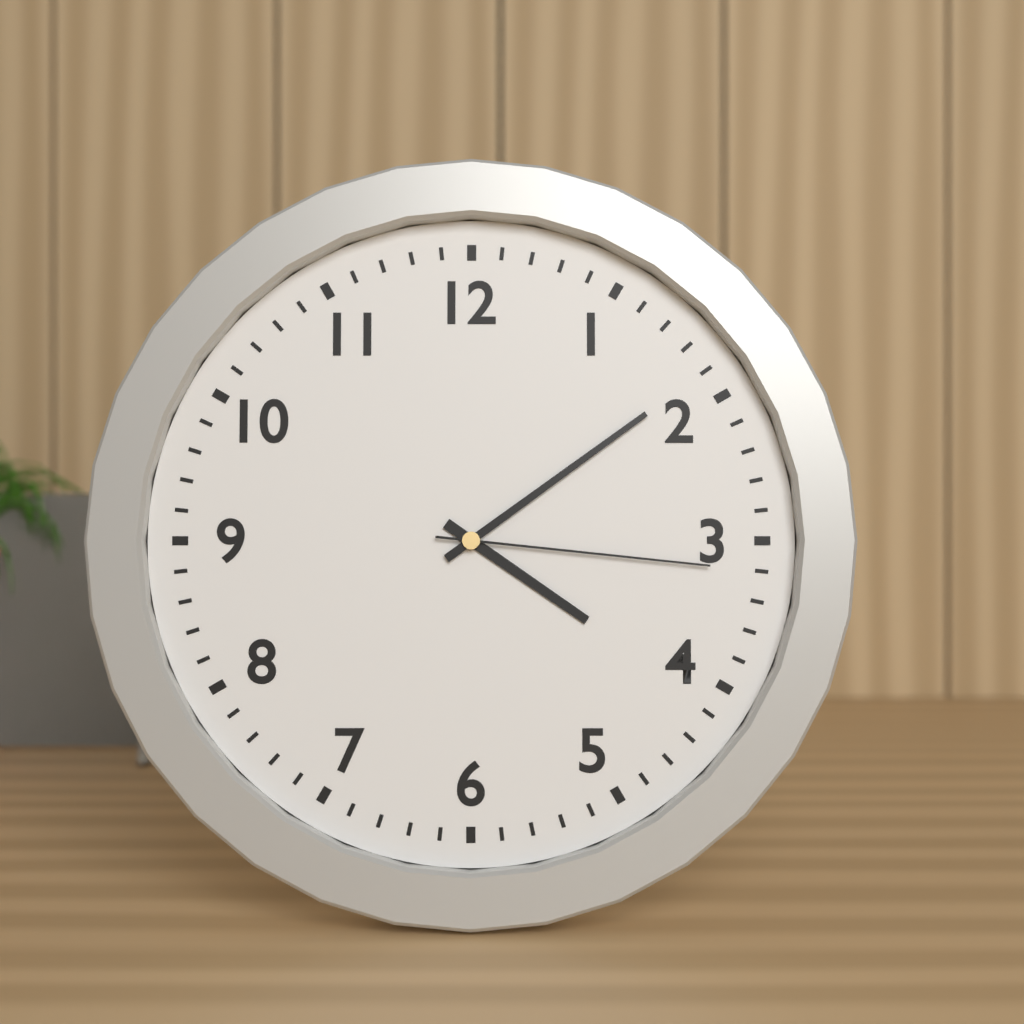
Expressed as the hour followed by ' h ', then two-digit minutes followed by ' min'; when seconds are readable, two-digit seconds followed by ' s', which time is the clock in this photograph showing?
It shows 4 h 09 min 16 s
